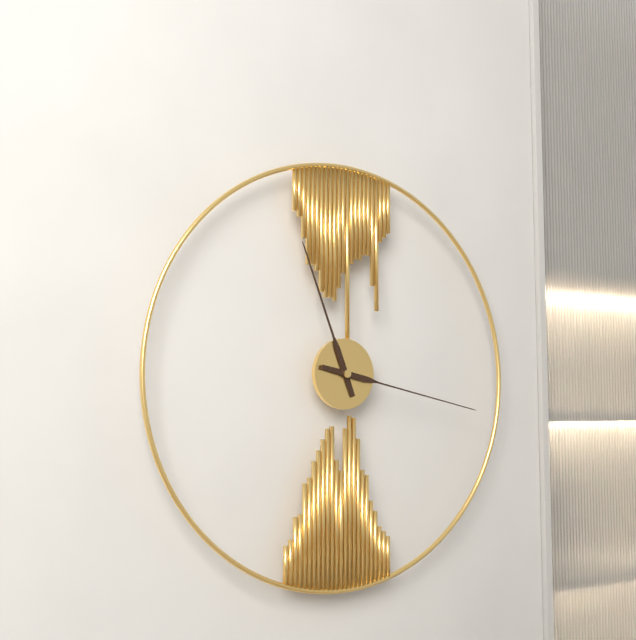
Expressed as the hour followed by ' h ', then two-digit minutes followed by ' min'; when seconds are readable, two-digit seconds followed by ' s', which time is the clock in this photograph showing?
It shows 11 h 17 min
